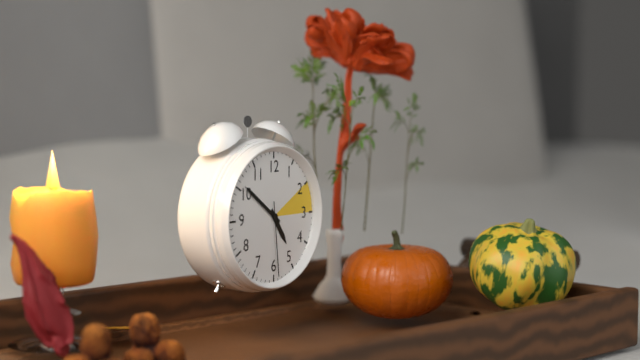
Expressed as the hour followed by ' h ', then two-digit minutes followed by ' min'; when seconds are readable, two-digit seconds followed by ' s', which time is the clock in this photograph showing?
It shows 4 h 51 min 29 s
